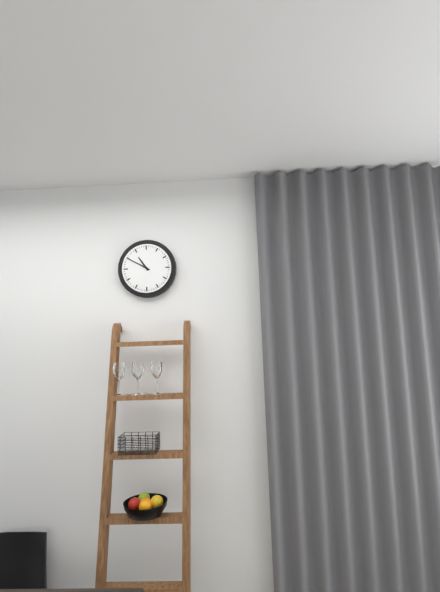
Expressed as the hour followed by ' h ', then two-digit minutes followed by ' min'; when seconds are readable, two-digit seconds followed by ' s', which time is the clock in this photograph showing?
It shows 10 h 50 min
